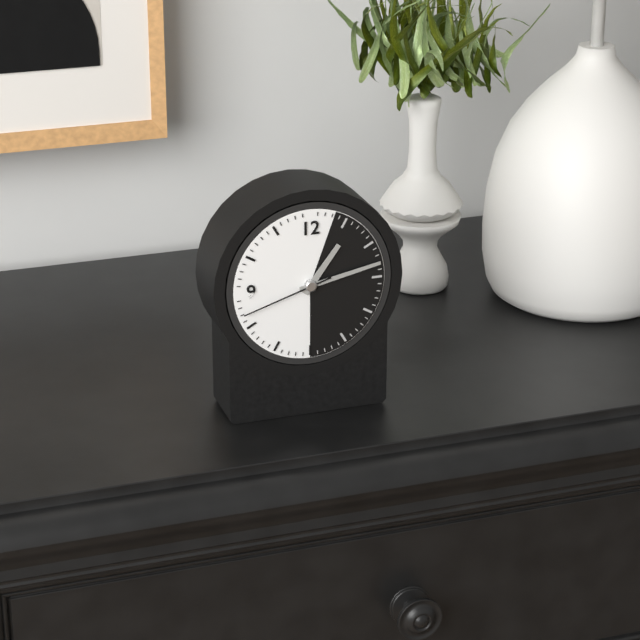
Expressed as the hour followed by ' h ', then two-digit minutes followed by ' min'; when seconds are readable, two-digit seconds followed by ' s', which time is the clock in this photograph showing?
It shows 1 h 13 min 42 s
